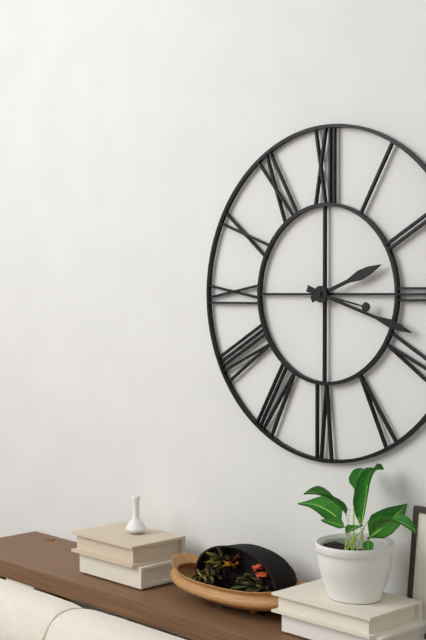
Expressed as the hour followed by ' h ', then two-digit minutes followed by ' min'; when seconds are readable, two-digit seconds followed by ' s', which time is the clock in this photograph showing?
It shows 2 h 18 min 17 s
